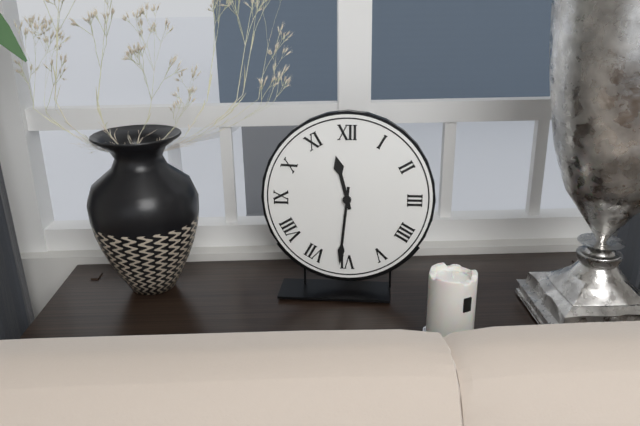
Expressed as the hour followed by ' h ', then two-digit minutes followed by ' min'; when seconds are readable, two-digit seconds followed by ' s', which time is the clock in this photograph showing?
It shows 11 h 31 min
